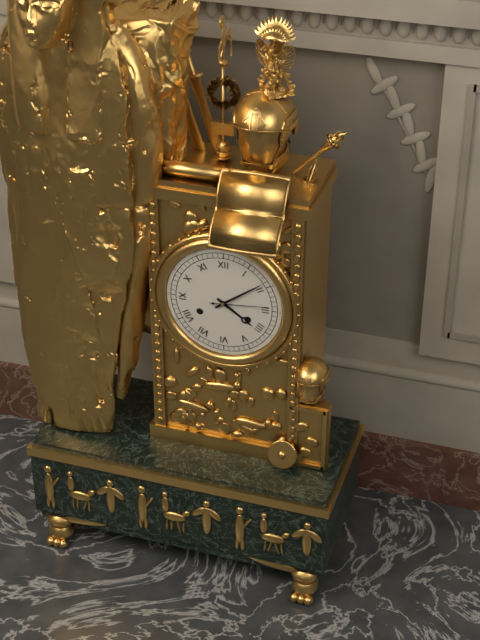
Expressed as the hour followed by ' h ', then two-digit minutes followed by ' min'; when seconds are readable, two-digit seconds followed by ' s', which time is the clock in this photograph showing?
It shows 4 h 09 min 14 s
